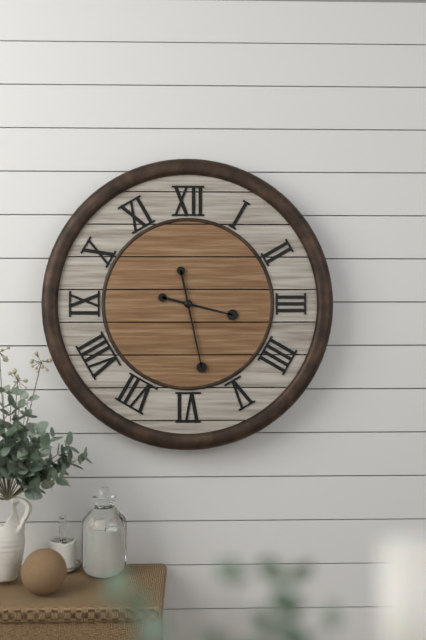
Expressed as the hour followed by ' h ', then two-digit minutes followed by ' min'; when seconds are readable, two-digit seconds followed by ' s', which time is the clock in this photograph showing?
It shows 3 h 28 min
